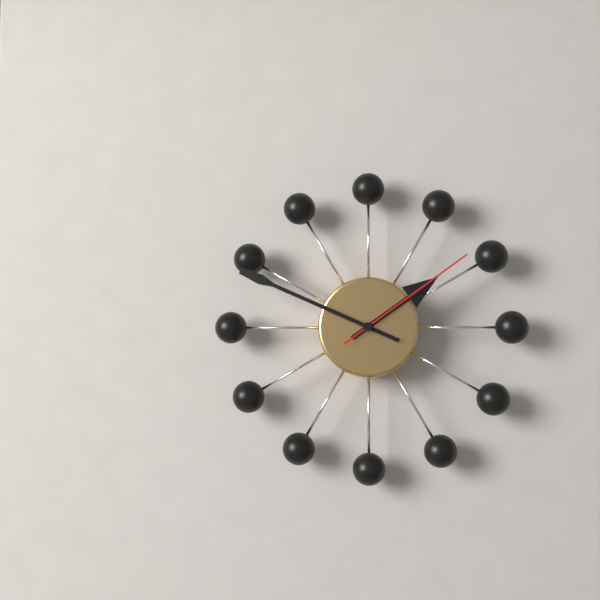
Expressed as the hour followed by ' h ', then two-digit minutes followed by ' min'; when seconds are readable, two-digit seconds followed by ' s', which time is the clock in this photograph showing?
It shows 1 h 49 min 09 s
